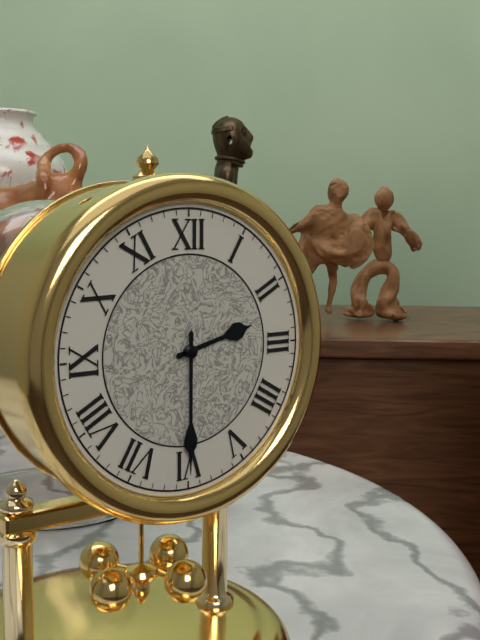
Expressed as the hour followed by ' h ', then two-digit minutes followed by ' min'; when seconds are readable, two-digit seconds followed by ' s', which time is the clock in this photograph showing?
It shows 2 h 30 min
